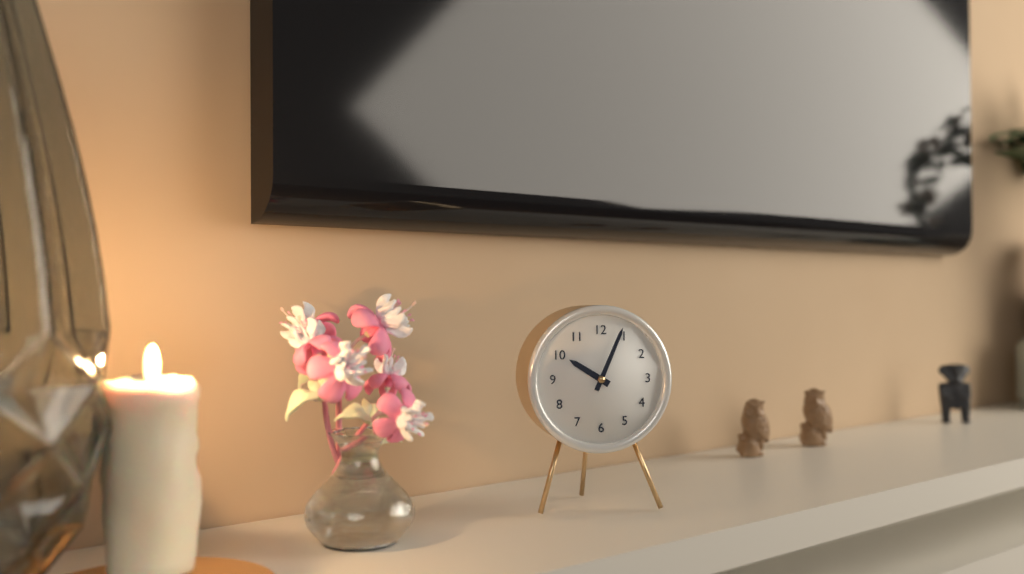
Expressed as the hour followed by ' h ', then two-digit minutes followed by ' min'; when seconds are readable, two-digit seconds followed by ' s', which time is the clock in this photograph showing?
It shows 10 h 04 min
